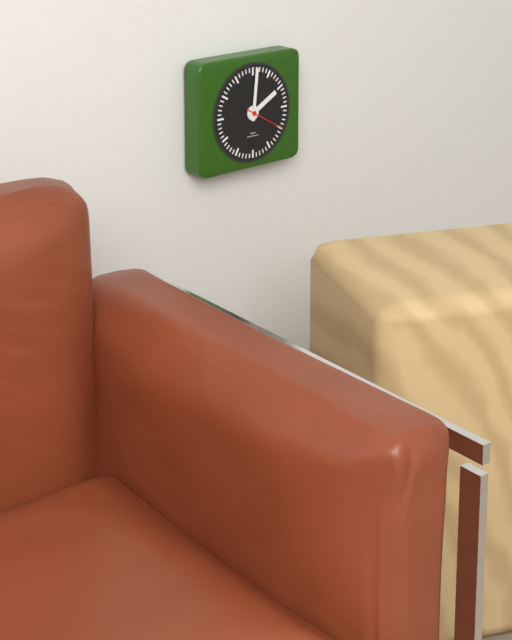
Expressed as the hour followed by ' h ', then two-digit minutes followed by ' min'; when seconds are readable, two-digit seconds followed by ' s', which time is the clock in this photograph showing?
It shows 2 h 01 min
